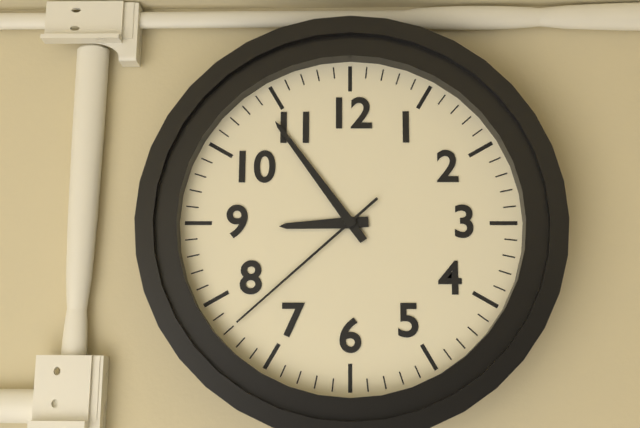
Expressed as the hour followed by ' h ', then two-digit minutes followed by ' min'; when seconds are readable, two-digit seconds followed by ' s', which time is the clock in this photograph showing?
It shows 8 h 54 min 38 s
